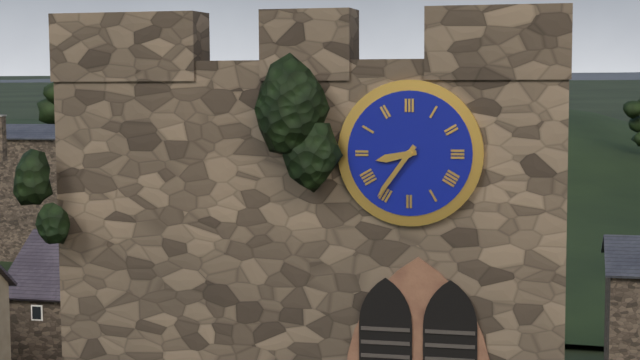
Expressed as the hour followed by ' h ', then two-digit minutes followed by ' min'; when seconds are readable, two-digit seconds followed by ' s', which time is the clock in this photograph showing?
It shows 8 h 36 min
